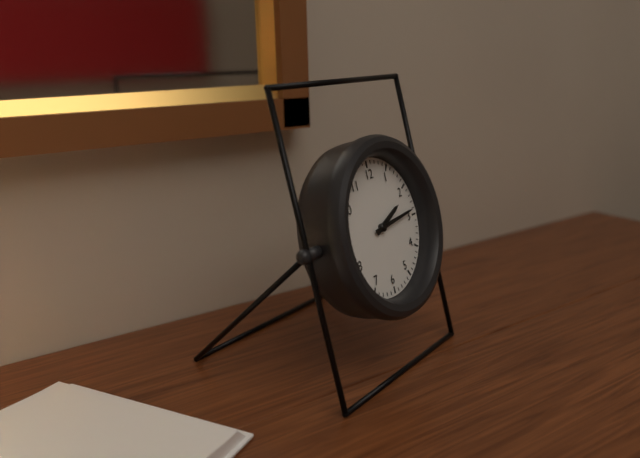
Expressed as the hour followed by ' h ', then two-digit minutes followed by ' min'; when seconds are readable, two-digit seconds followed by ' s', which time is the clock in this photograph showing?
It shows 2 h 14 min
